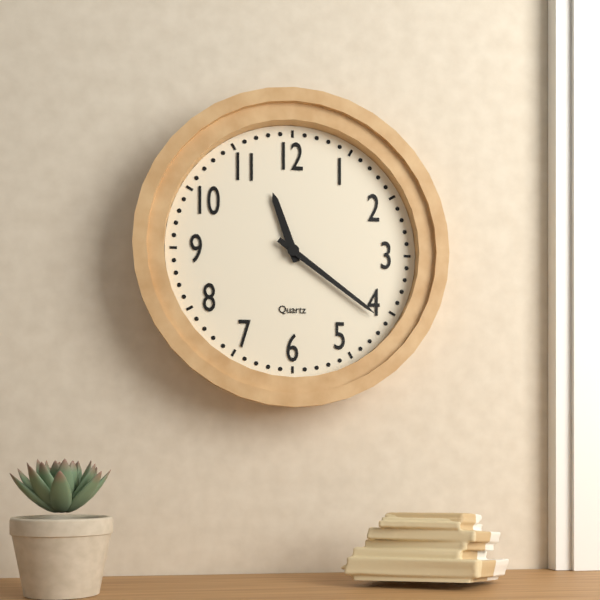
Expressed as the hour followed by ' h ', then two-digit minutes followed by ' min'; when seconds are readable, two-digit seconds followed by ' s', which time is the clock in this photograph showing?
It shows 11 h 21 min
